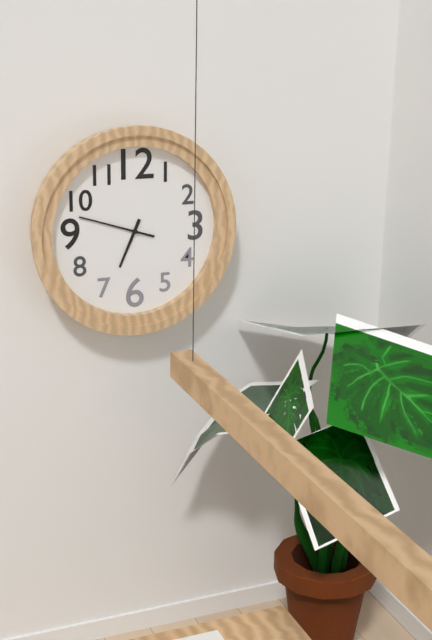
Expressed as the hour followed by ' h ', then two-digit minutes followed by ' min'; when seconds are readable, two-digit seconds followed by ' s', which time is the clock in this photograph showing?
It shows 6 h 48 min
